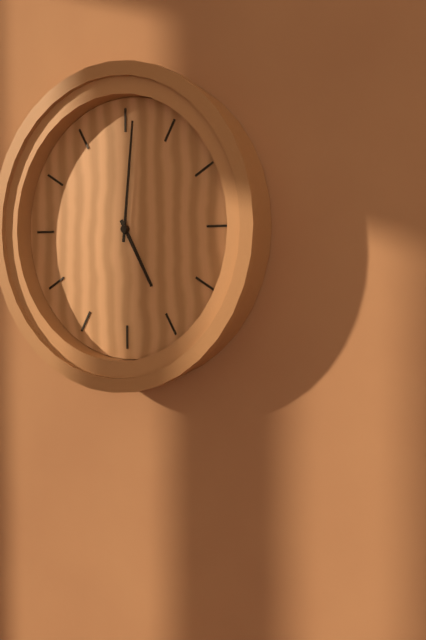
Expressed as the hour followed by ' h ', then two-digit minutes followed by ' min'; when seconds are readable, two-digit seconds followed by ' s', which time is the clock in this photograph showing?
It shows 5 h 01 min
